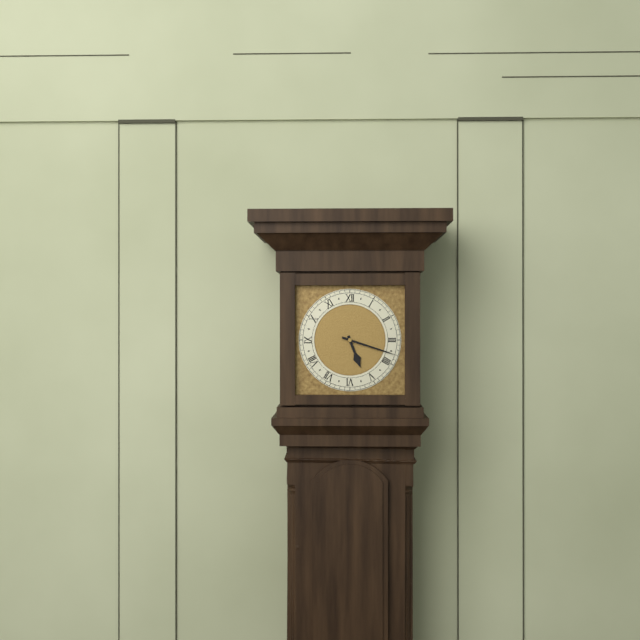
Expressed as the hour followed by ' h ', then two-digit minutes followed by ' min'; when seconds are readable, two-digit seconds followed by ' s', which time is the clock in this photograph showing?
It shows 5 h 18 min
